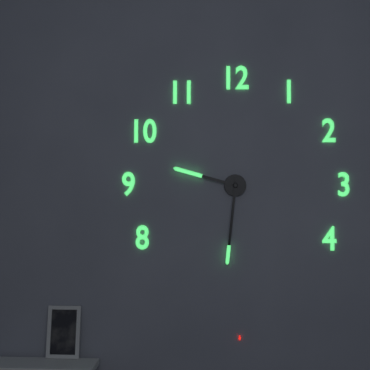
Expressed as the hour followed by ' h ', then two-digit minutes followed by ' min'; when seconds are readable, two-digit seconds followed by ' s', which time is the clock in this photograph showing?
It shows 9 h 31 min
